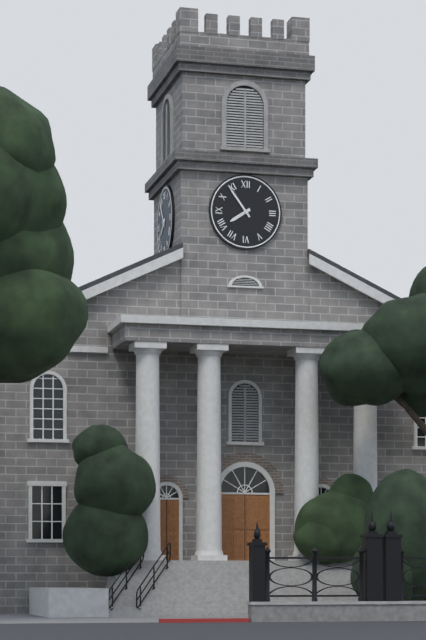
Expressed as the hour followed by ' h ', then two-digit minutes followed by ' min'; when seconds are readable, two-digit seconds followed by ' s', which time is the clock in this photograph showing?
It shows 7 h 54 min
